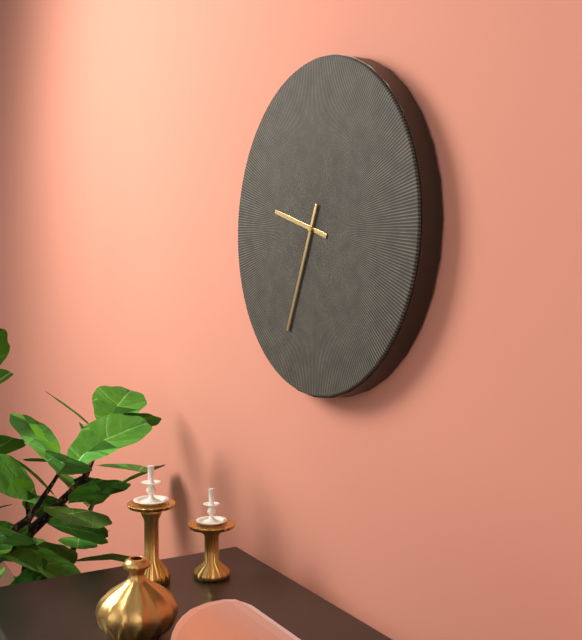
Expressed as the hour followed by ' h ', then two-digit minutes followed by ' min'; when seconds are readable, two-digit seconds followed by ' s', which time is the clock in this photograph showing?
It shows 9 h 34 min
